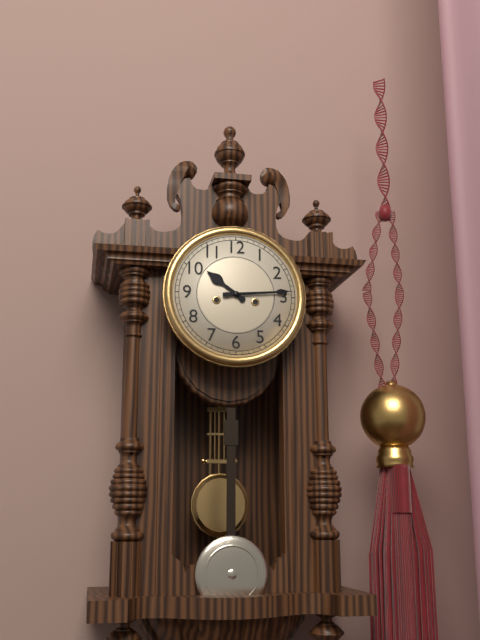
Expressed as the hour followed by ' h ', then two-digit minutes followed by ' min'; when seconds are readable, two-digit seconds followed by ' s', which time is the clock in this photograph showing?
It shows 10 h 14 min
